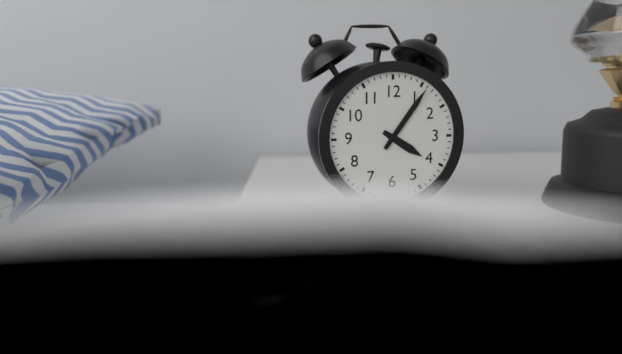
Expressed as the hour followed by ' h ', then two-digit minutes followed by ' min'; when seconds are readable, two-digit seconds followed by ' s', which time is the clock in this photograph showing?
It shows 4 h 06 min
